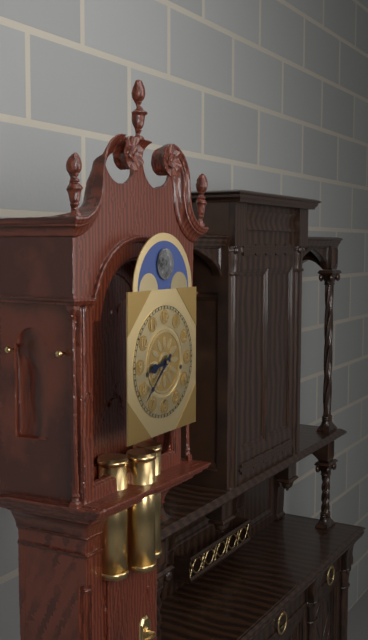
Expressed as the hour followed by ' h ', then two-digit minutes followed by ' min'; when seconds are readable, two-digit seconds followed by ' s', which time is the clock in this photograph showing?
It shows 8 h 38 min
